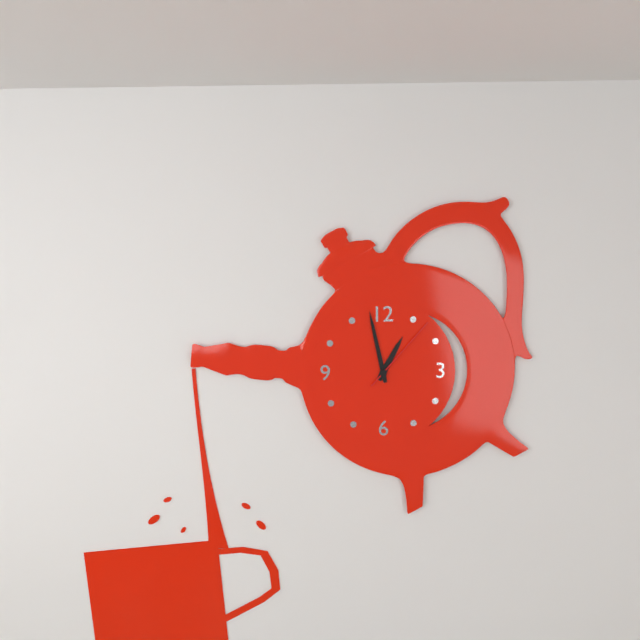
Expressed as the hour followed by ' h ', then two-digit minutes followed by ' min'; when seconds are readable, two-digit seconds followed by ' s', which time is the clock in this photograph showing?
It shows 12 h 58 min 07 s
